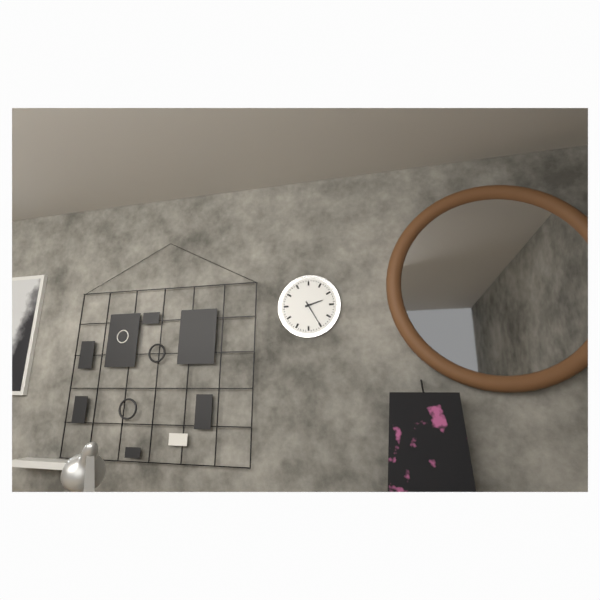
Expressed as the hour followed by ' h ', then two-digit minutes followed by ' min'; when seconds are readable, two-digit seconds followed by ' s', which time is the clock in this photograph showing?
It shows 2 h 25 min
